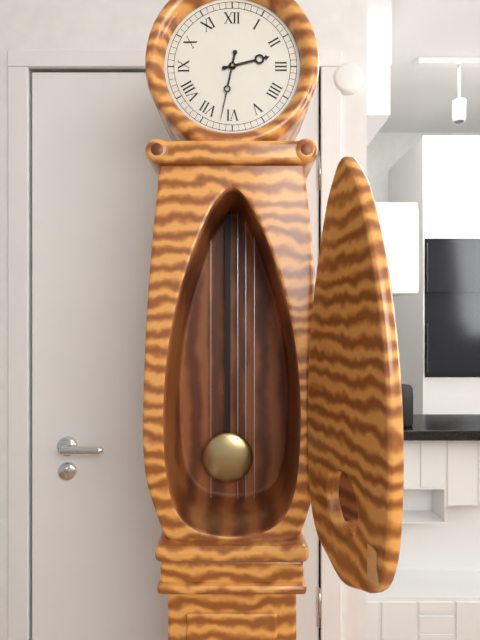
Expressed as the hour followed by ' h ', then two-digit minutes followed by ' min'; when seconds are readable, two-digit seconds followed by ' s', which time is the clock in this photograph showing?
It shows 2 h 32 min
